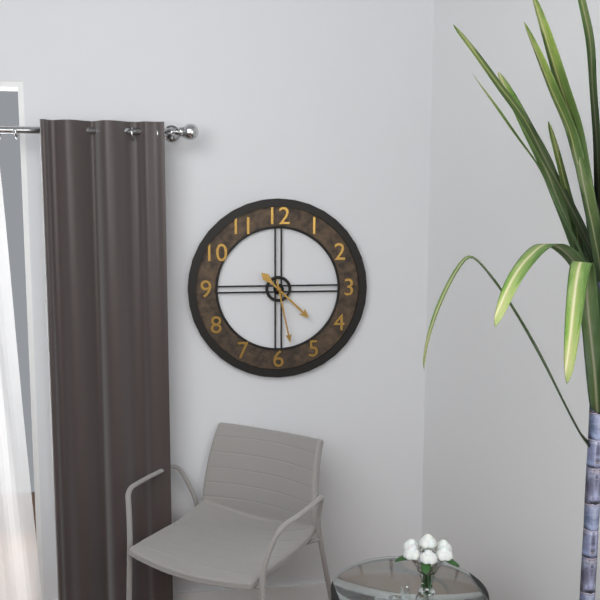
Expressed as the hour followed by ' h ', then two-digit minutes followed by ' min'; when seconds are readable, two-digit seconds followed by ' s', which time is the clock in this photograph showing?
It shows 4 h 28 min
